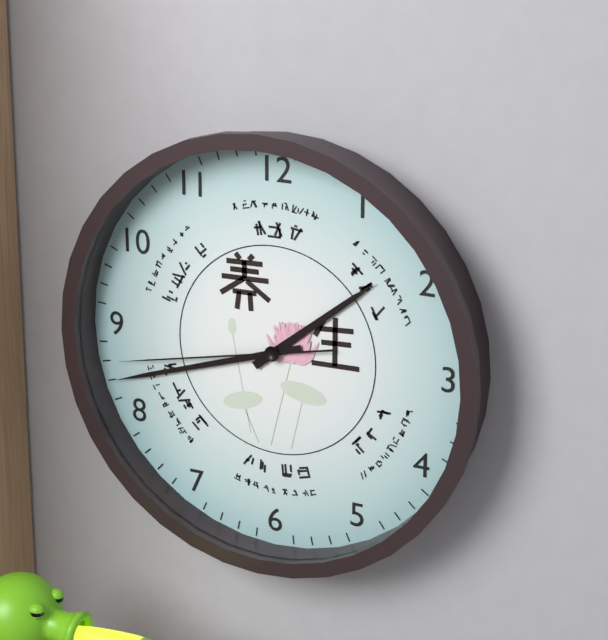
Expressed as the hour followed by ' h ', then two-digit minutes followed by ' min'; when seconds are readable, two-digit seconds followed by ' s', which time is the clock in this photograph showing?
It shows 1 h 42 min 43 s
